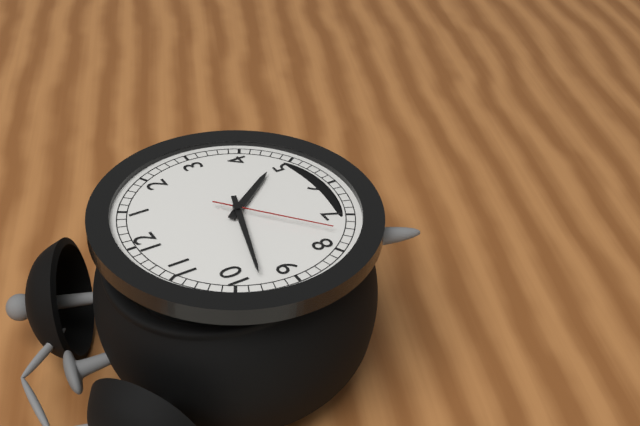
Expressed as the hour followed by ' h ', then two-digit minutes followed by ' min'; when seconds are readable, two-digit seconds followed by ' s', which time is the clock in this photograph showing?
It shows 4 h 48 min 38 s
